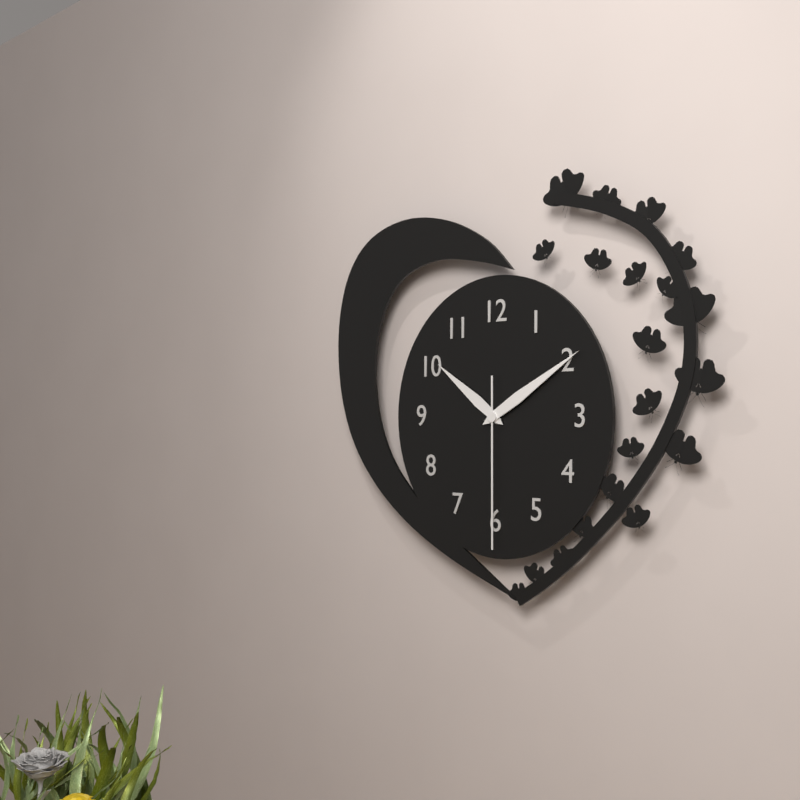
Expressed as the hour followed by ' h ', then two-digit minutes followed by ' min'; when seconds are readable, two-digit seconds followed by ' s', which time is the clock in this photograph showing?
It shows 10 h 10 min 30 s
